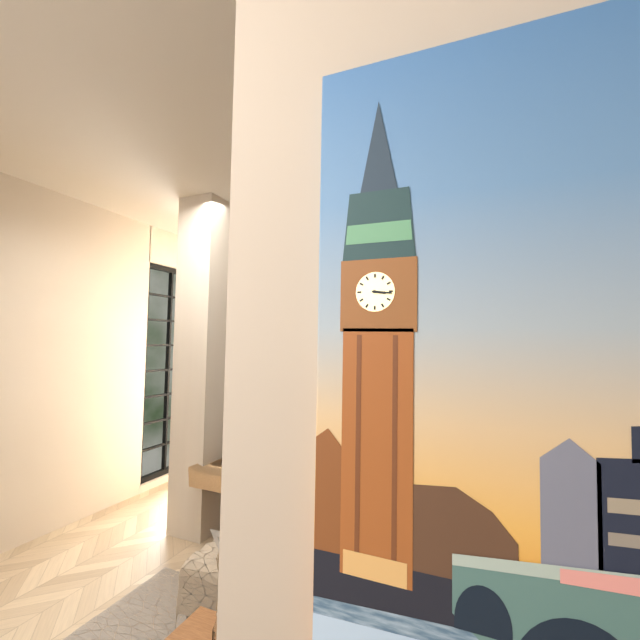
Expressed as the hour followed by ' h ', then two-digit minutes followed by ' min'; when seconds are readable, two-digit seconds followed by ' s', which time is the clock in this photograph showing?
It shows 3 h 16 min
